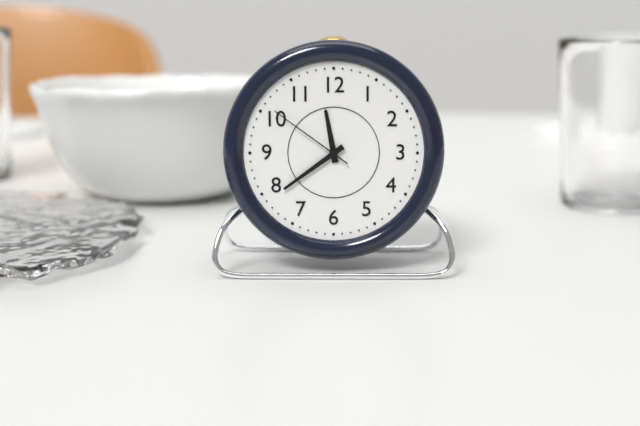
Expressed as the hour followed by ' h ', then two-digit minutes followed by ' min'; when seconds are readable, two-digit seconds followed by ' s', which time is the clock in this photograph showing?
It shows 11 h 39 min 51 s
